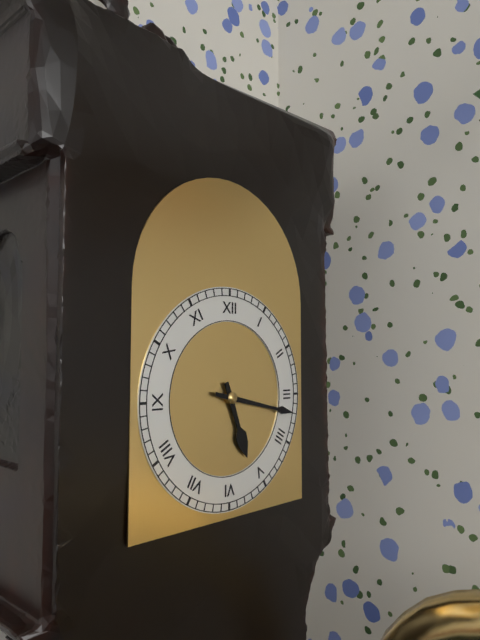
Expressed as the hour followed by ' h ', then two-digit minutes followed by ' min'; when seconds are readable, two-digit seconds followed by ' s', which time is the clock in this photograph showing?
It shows 5 h 17 min
